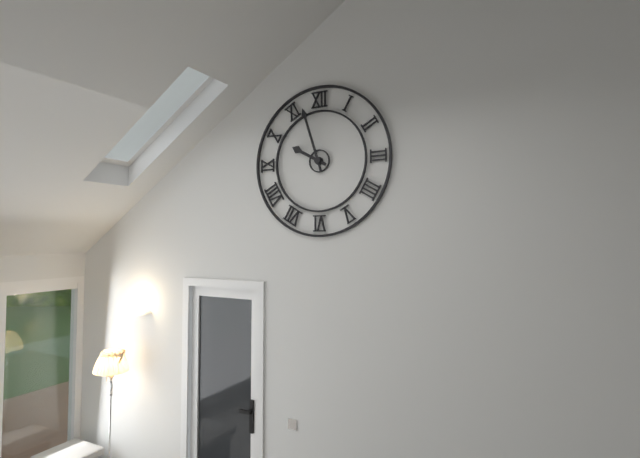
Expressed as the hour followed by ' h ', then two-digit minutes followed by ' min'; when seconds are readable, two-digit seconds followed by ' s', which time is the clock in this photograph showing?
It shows 9 h 57 min
